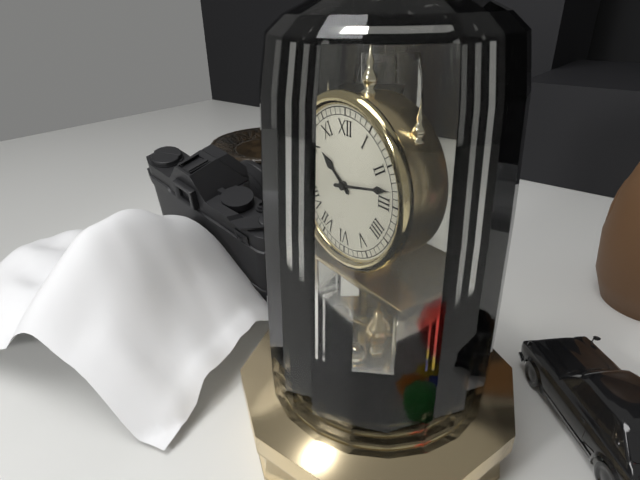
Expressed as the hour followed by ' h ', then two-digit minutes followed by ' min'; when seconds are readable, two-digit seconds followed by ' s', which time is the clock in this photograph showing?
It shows 10 h 13 min
